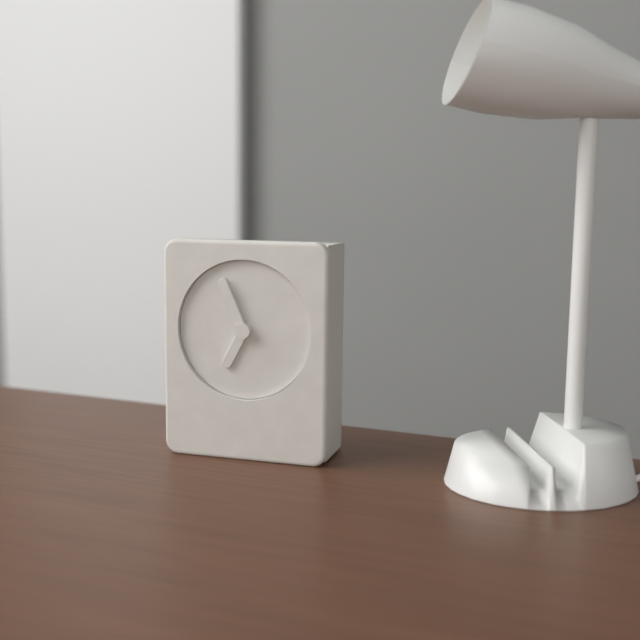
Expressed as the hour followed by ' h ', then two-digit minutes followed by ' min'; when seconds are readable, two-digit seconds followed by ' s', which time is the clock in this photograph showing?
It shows 6 h 56 min
